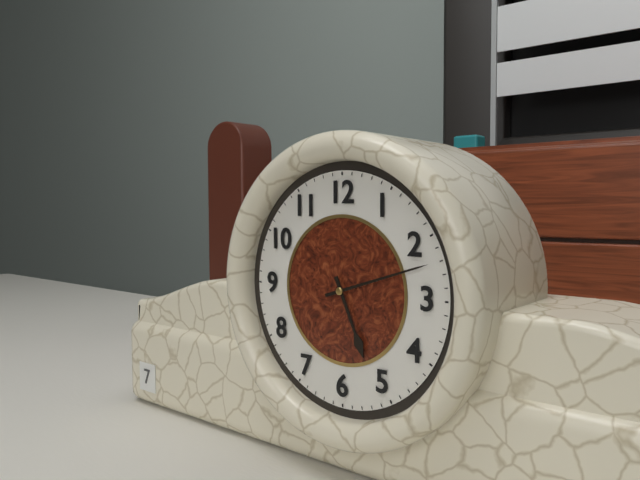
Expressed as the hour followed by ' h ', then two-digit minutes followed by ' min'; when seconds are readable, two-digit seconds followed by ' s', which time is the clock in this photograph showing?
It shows 5 h 12 min
